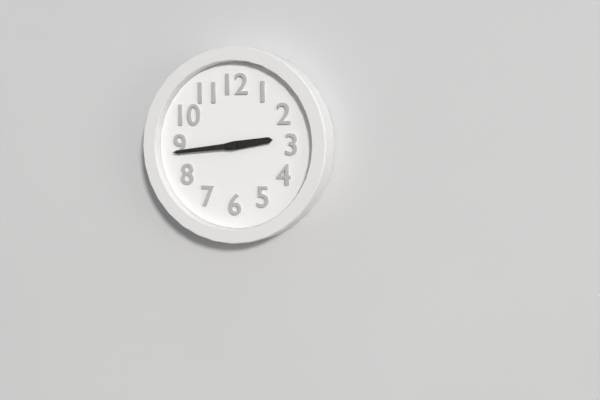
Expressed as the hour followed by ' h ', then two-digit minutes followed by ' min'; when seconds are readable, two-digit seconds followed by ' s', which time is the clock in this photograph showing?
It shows 2 h 44 min
